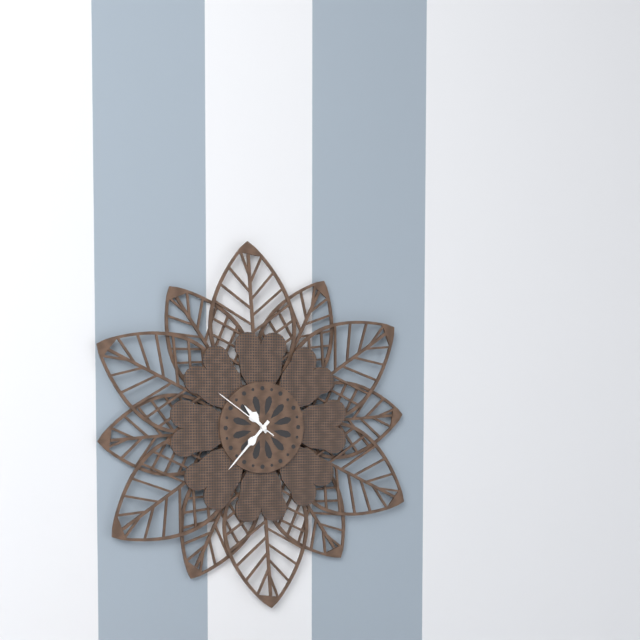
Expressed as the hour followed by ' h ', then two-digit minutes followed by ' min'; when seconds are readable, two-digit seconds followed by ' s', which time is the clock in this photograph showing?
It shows 10 h 37 min 51 s
